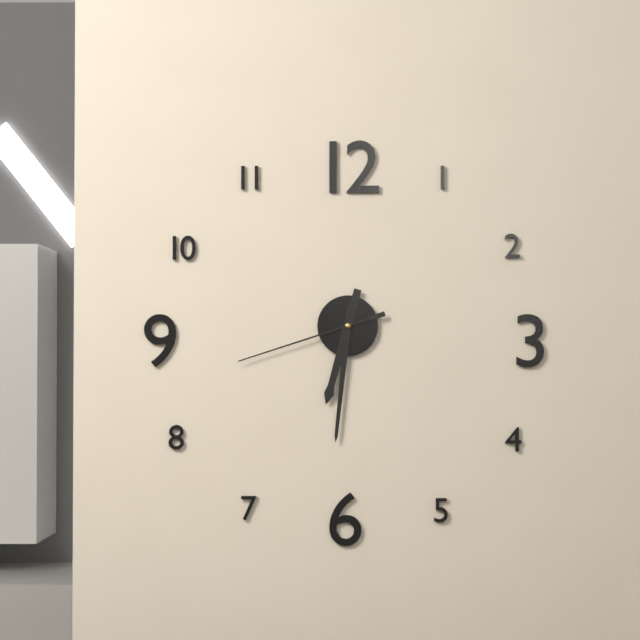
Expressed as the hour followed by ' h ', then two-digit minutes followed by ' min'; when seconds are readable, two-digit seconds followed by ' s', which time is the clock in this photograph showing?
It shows 6 h 31 min 42 s
